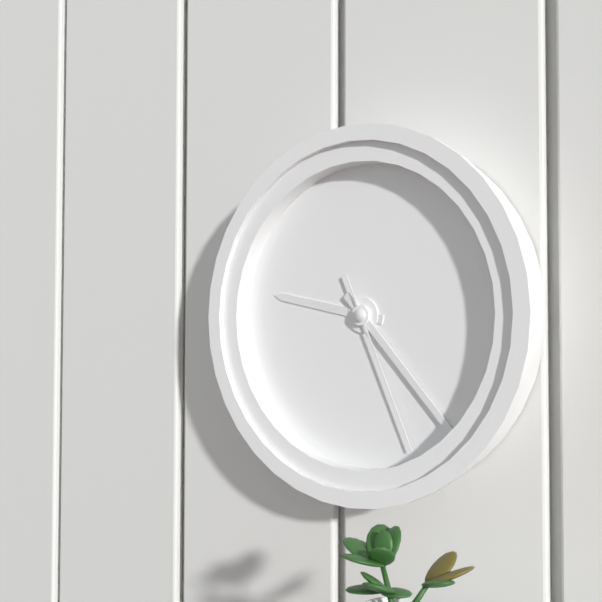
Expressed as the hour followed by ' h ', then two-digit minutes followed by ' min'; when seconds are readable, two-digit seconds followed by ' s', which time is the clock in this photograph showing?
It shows 9 h 23 min 26 s
